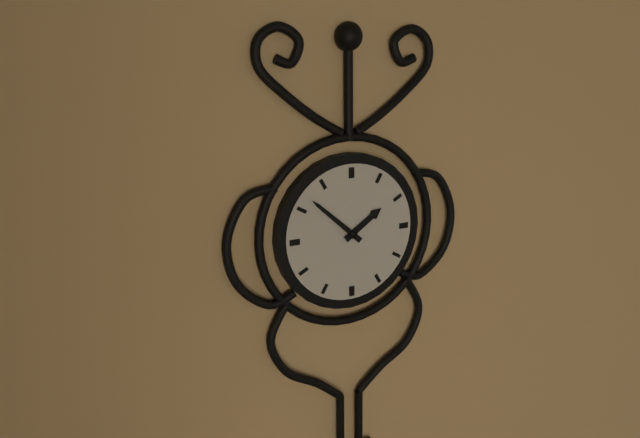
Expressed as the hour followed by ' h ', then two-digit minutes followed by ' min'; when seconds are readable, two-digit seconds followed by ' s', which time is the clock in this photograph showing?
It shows 1 h 52 min
